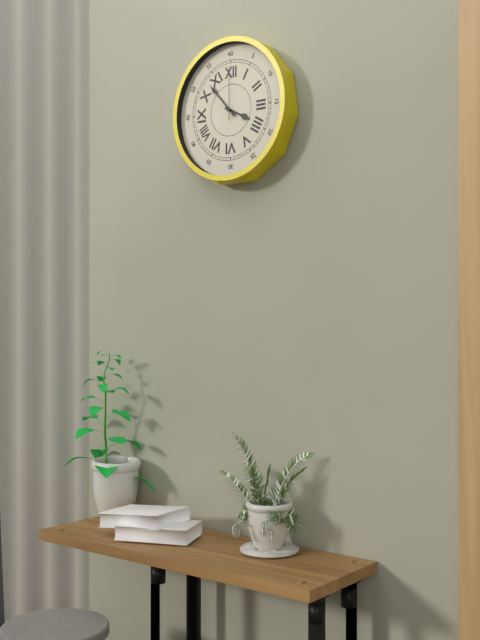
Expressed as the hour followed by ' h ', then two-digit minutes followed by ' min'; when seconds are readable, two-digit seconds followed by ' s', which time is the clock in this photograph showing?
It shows 3 h 53 min 00 s
